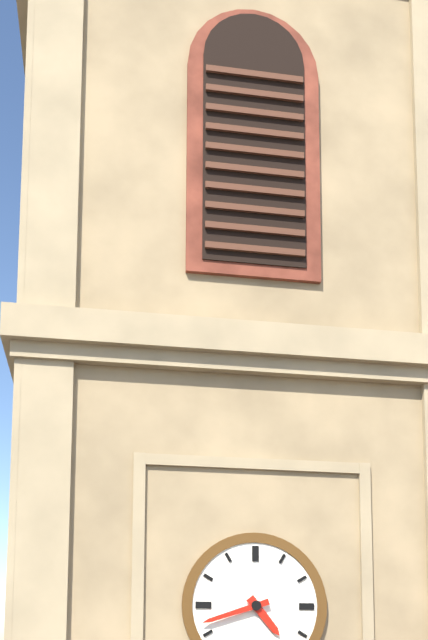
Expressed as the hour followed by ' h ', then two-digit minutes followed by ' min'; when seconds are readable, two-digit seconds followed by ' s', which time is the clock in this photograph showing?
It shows 4 h 42 min
